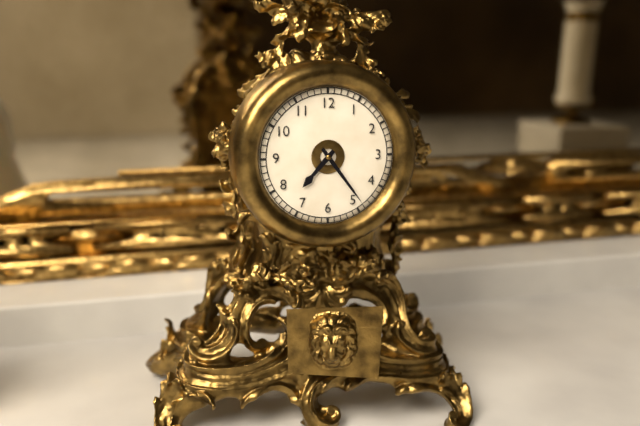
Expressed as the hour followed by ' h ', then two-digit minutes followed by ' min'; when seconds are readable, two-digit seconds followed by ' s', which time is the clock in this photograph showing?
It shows 7 h 24 min
